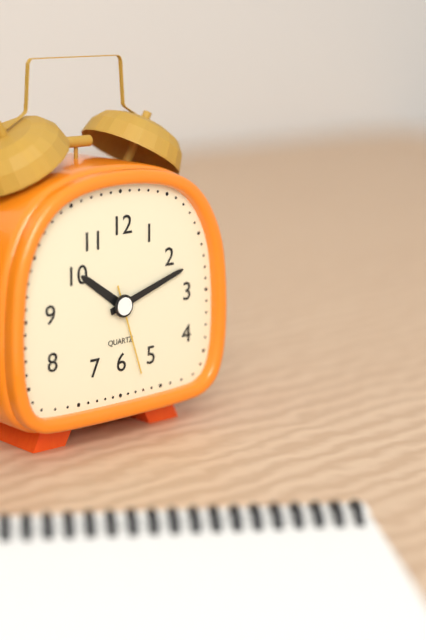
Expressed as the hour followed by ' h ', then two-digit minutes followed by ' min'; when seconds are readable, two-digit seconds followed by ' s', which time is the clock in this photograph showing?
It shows 10 h 12 min 27 s
